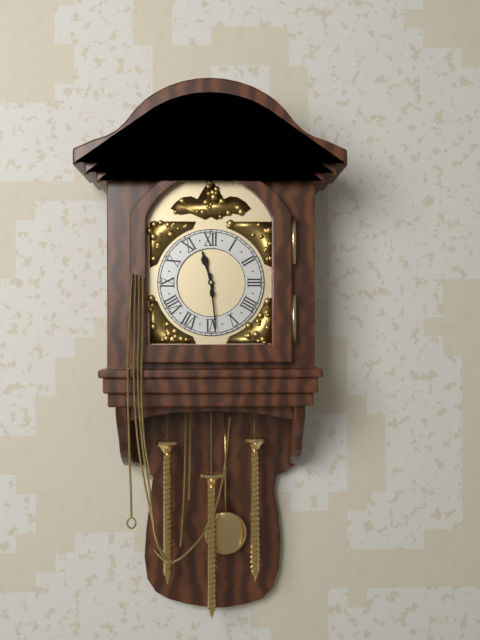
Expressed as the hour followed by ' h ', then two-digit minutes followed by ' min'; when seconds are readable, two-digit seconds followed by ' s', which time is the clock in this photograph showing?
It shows 11 h 29 min
